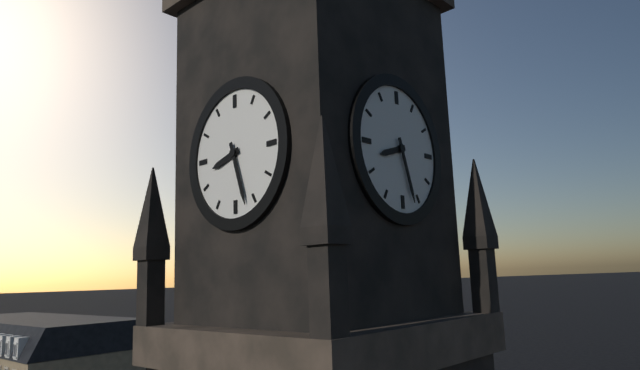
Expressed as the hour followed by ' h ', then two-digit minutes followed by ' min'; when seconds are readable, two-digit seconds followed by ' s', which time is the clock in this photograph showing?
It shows 8 h 27 min
